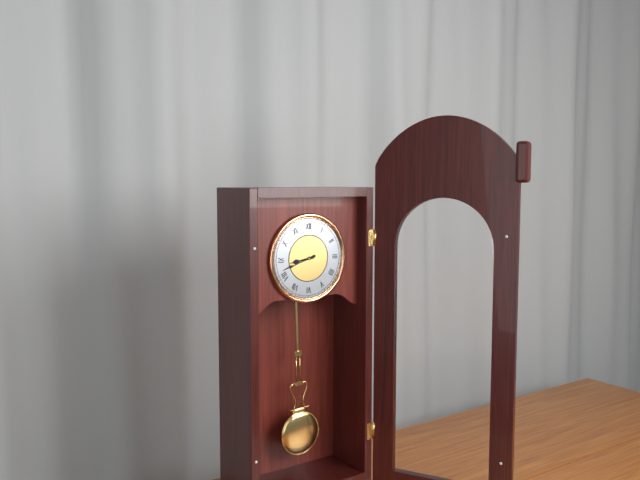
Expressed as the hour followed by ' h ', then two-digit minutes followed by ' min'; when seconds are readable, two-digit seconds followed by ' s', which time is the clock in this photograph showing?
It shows 8 h 42 min
